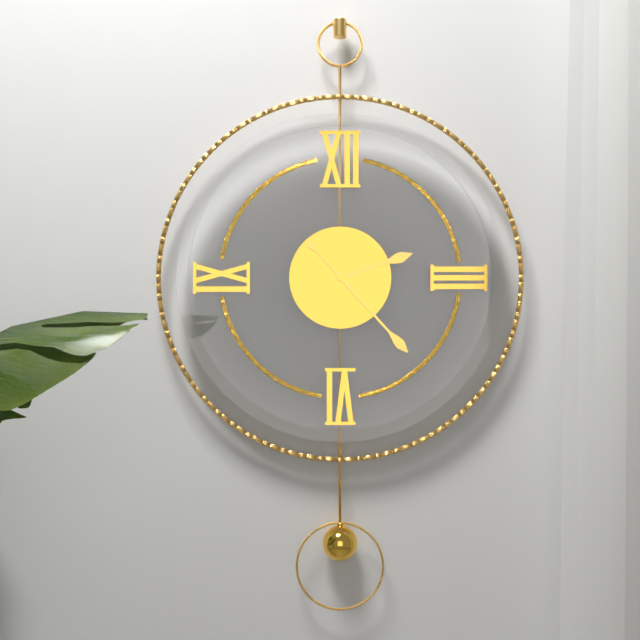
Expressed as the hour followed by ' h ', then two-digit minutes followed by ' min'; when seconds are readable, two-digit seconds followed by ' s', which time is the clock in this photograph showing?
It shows 2 h 23 min
